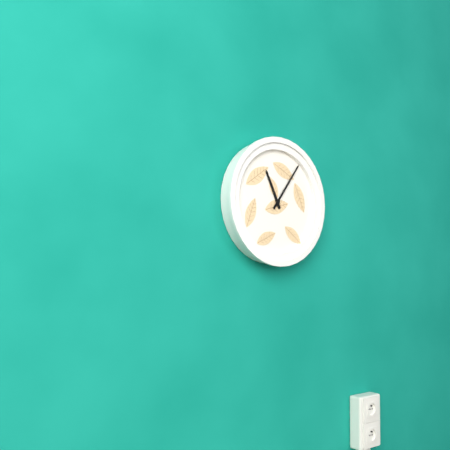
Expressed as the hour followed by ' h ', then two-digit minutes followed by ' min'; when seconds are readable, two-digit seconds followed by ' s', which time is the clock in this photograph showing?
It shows 11 h 06 min
